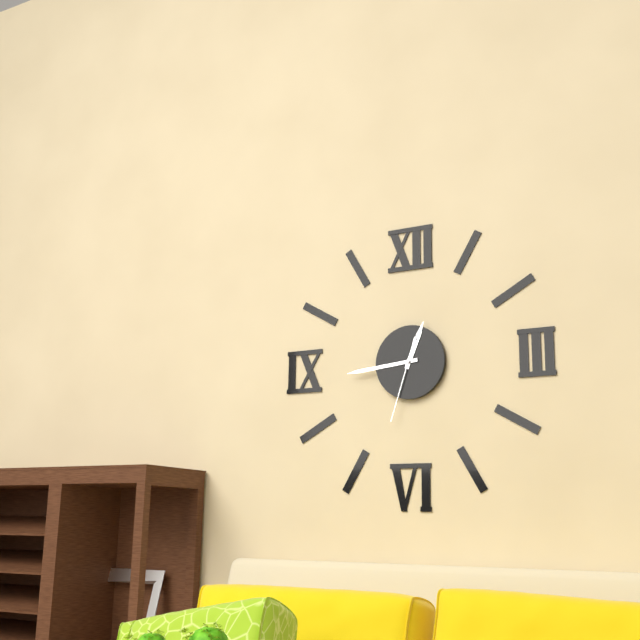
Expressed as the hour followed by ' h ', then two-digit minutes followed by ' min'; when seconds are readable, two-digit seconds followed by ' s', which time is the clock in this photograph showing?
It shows 12 h 44 min 33 s
